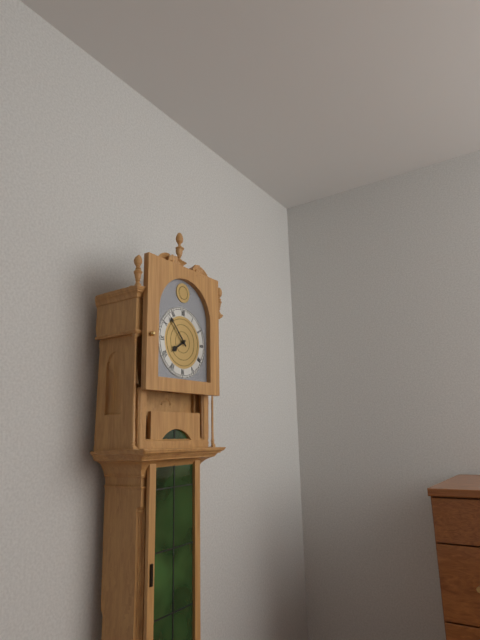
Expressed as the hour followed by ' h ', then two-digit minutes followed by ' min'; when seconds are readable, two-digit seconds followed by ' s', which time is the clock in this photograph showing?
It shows 7 h 53 min
